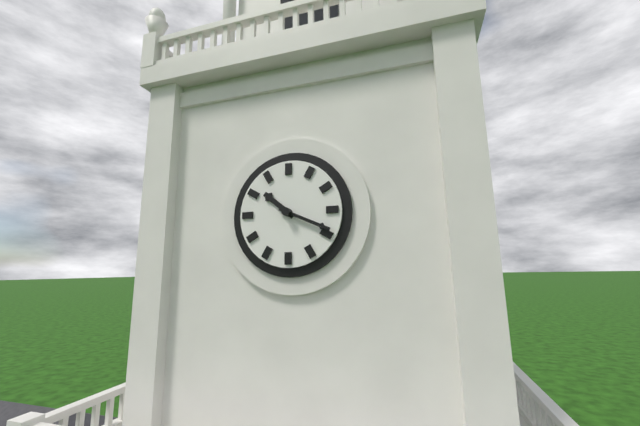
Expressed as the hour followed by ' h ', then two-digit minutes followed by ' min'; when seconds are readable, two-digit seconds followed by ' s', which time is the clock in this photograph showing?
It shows 10 h 19 min
